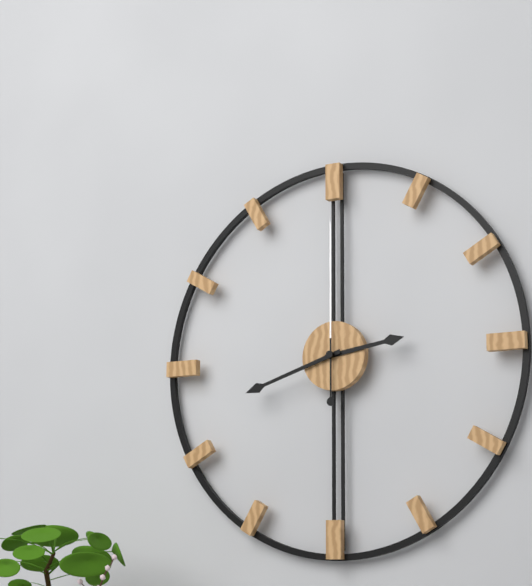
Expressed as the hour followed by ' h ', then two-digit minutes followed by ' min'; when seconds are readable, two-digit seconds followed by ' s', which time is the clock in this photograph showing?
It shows 2 h 42 min 00 s
